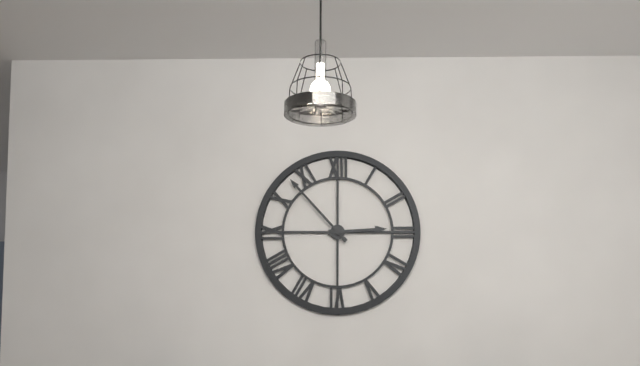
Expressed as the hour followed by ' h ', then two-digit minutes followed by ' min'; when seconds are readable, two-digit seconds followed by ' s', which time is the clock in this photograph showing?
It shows 2 h 53 min
